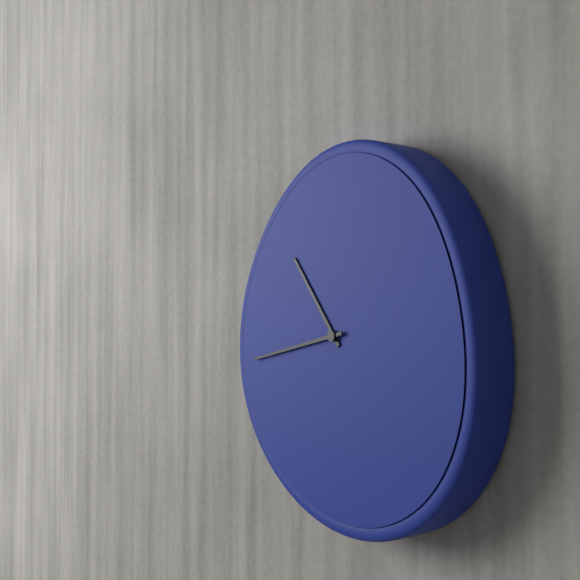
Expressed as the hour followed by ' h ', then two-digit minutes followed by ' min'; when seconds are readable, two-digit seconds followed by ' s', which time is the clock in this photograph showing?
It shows 10 h 43 min
